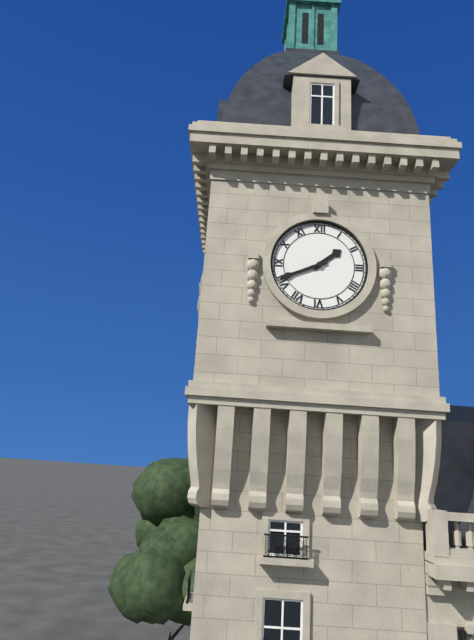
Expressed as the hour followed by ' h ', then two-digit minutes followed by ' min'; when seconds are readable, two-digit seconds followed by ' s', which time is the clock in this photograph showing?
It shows 1 h 41 min
